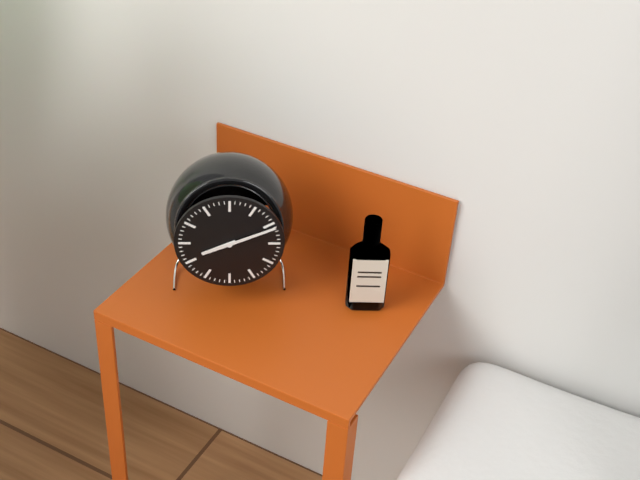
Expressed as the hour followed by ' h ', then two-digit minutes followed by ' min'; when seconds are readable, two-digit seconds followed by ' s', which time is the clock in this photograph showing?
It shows 8 h 11 min
